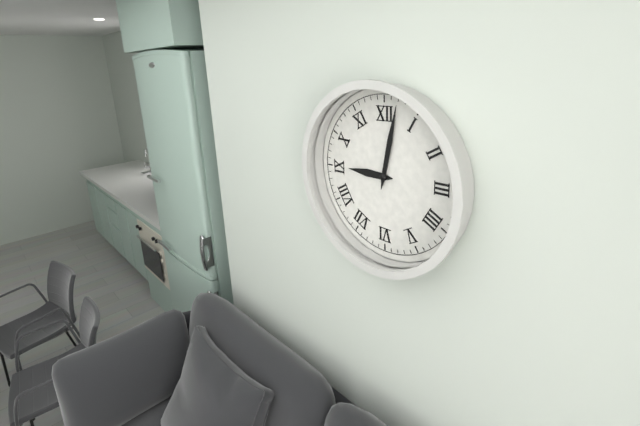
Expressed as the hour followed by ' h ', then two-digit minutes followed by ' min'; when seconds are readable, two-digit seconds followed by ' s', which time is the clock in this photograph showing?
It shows 9 h 02 min
